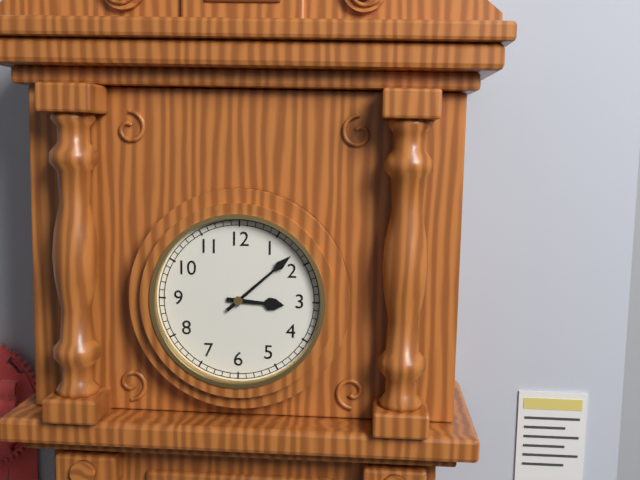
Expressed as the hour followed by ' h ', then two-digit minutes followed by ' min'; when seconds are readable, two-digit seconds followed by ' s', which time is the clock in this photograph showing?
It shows 3 h 08 min
